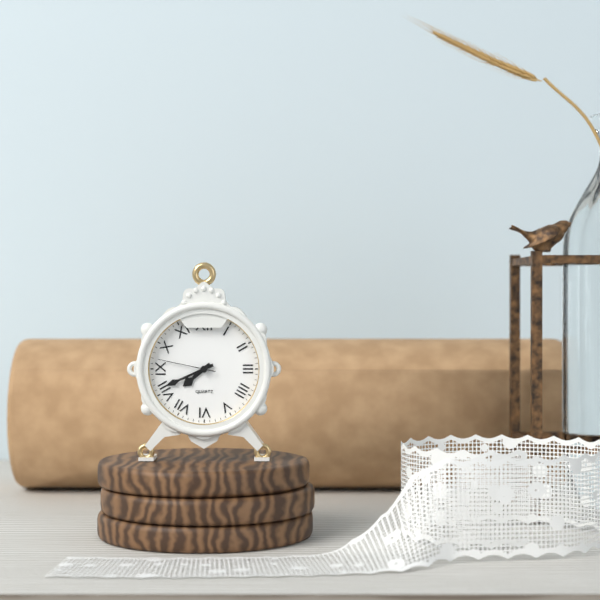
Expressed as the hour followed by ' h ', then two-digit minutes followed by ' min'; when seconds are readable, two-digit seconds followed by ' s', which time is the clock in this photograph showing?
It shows 7 h 41 min 47 s
